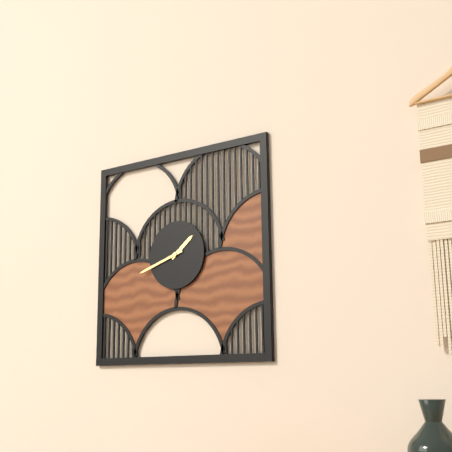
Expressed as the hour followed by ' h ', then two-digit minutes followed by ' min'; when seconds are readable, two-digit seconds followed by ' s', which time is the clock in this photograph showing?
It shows 1 h 42 min
